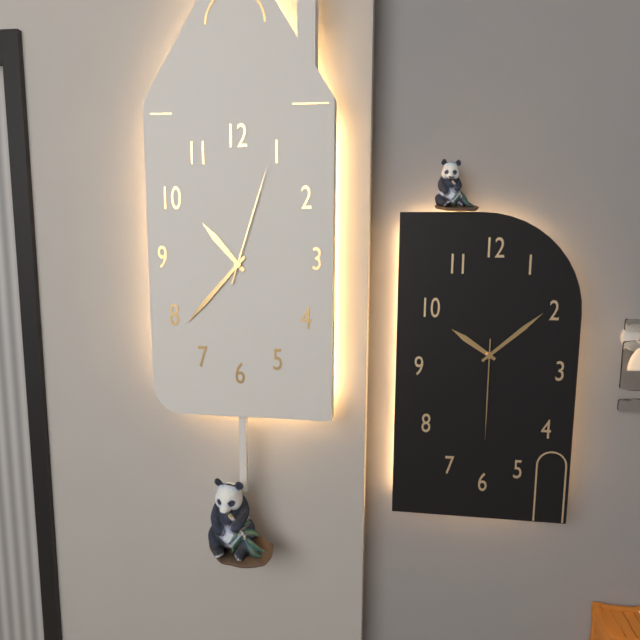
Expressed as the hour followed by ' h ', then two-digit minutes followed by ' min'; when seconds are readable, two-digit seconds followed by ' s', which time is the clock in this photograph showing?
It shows 10 h 37 min 03 s
